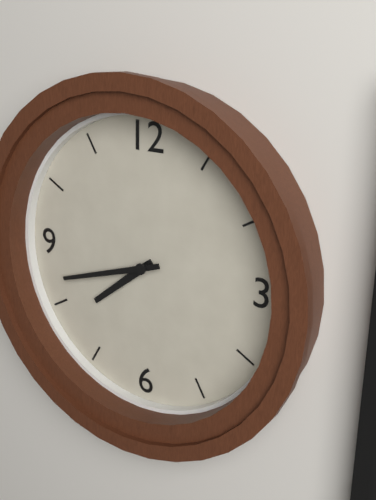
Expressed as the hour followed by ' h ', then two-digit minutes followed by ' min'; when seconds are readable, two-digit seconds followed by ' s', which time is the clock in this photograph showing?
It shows 7 h 42 min
